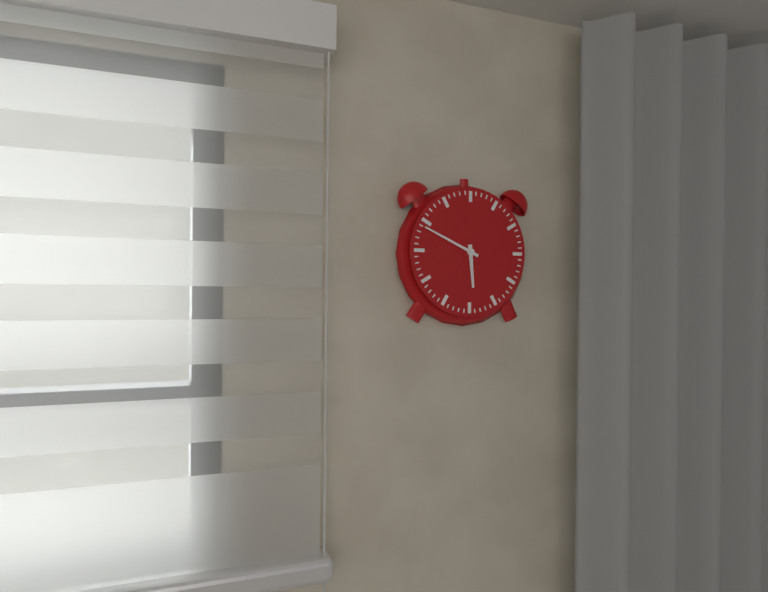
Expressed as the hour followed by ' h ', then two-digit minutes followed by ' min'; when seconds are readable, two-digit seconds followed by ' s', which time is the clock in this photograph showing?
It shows 5 h 49 min
